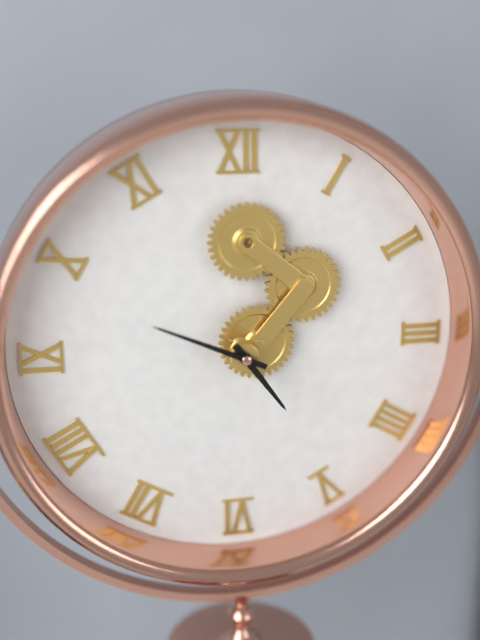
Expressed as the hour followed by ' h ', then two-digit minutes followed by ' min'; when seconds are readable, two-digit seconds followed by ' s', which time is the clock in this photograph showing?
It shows 4 h 49 min
